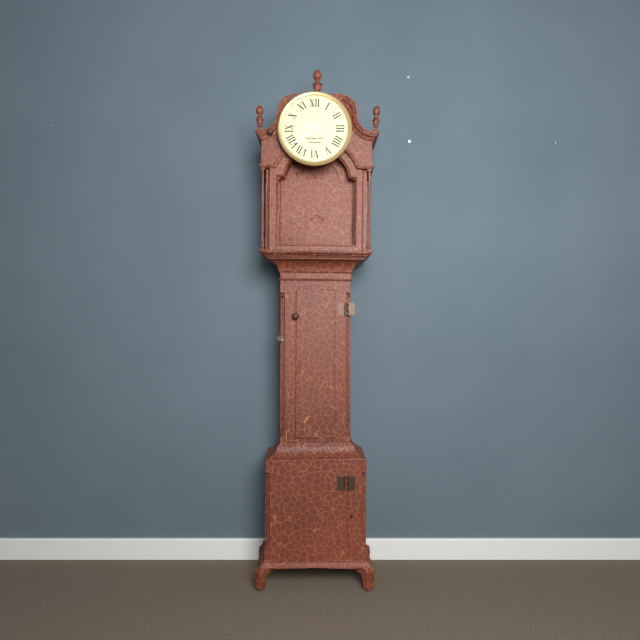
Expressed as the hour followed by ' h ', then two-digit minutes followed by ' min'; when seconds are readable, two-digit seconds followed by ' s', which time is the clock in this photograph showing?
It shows 9 h 39 min
